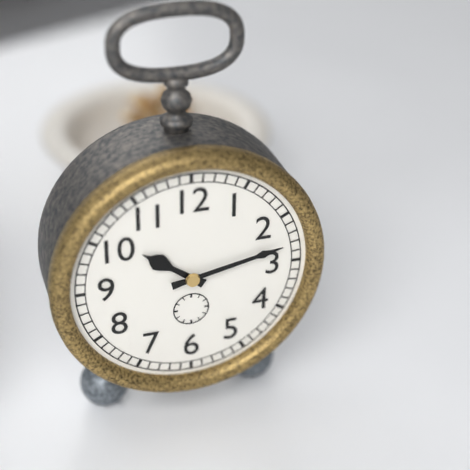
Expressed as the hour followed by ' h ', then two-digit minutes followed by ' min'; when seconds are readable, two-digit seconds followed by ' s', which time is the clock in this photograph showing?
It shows 10 h 13 min
